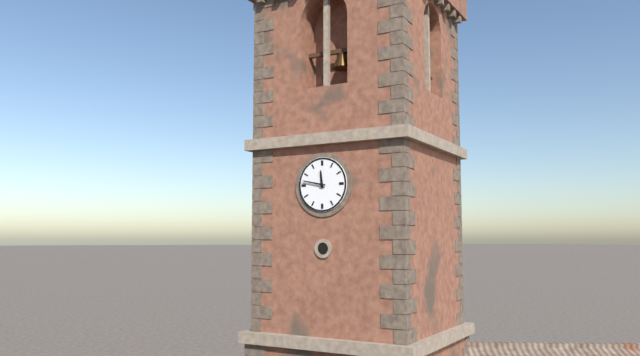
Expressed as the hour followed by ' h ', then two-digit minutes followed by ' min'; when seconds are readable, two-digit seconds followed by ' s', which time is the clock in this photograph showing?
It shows 11 h 47 min
